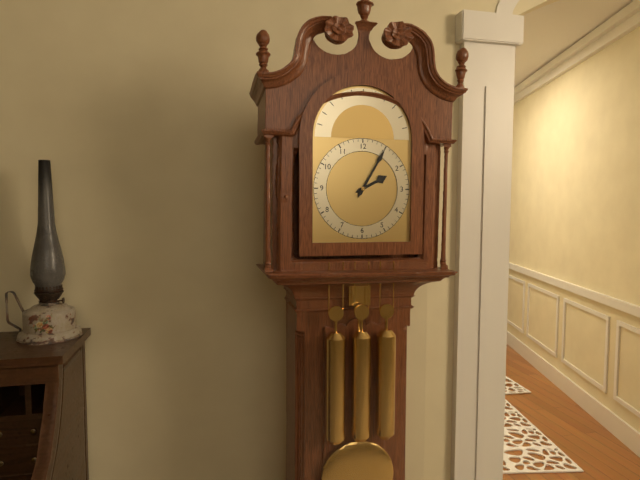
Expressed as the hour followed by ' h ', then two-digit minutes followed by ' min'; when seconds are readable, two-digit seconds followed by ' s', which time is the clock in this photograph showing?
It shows 2 h 05 min
